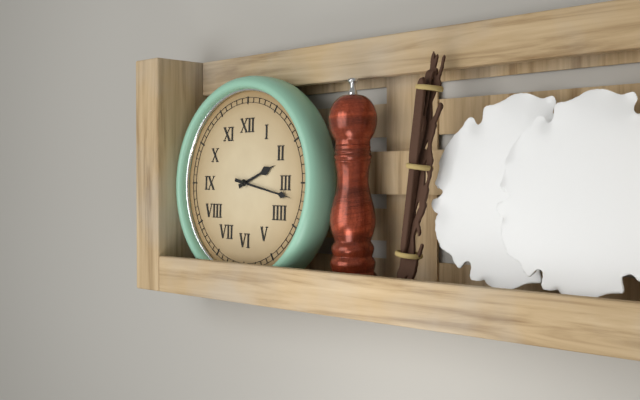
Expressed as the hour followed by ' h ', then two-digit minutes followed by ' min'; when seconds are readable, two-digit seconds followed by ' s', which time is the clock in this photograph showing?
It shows 2 h 17 min
